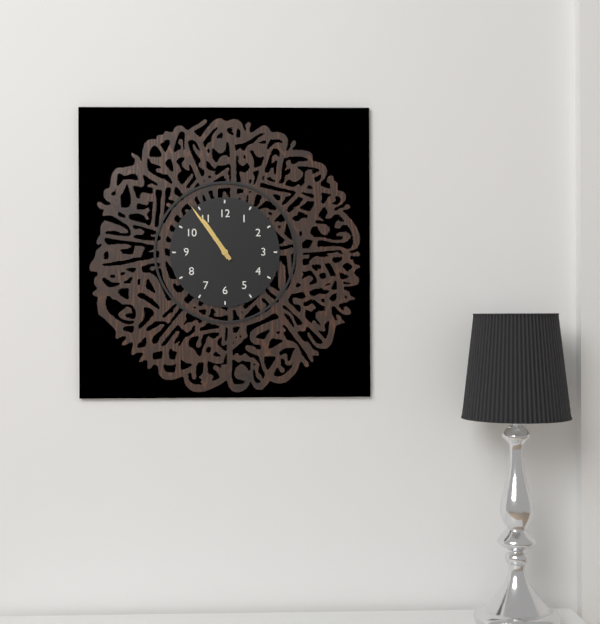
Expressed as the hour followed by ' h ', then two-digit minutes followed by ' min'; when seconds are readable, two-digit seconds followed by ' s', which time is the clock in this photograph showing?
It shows 10 h 54 min
